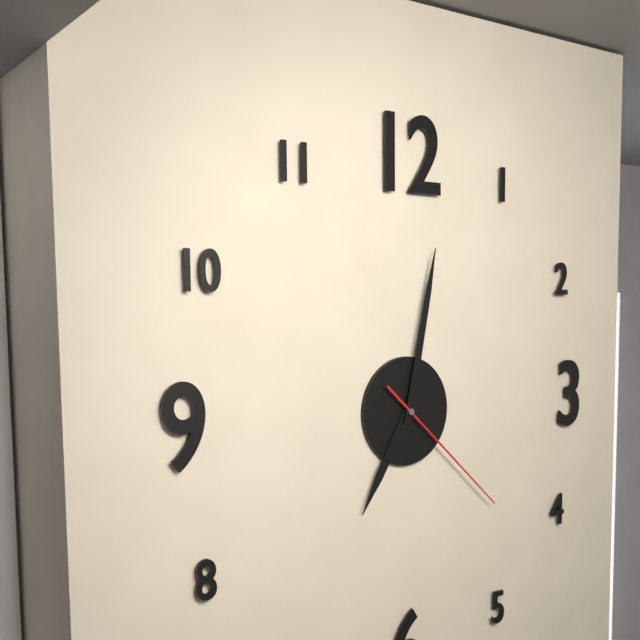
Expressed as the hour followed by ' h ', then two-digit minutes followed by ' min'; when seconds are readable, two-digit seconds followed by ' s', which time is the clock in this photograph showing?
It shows 7 h 02 min 22 s
